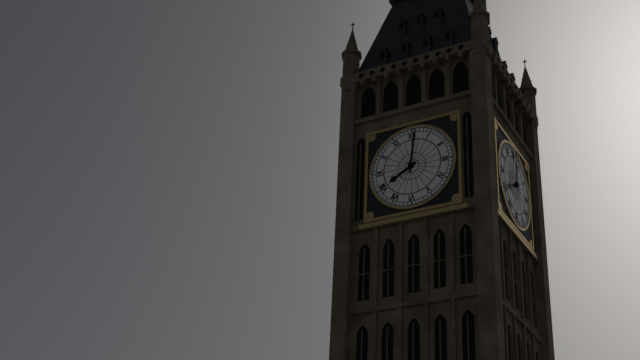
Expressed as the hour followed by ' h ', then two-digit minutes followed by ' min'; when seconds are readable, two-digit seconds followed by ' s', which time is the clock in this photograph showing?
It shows 8 h 01 min
